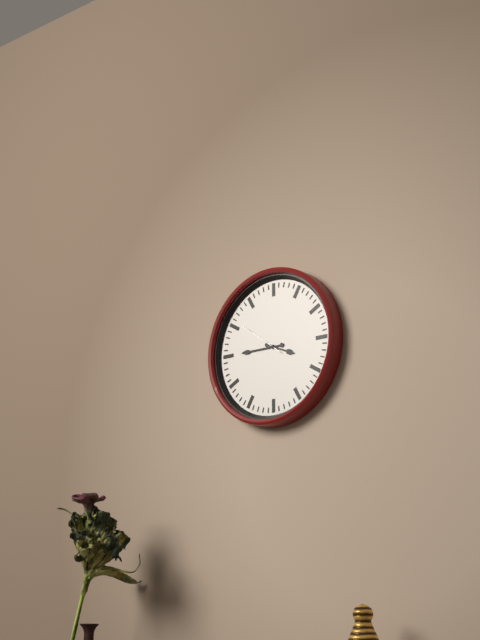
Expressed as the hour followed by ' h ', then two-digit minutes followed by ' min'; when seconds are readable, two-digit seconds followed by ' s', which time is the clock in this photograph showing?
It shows 3 h 45 min 51 s
